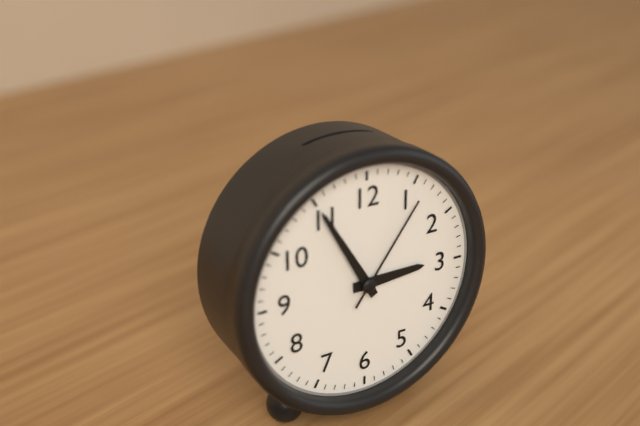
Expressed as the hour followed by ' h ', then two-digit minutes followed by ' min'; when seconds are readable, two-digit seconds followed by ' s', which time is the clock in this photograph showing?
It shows 2 h 55 min 06 s
